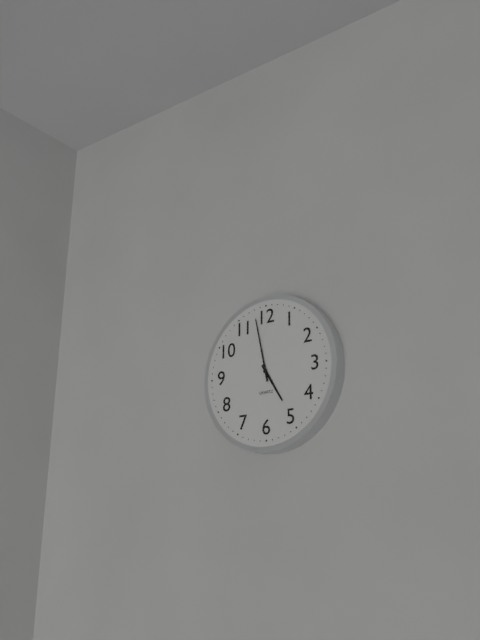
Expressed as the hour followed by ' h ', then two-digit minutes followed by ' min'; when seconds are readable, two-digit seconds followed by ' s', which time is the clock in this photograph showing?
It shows 4 h 58 min
